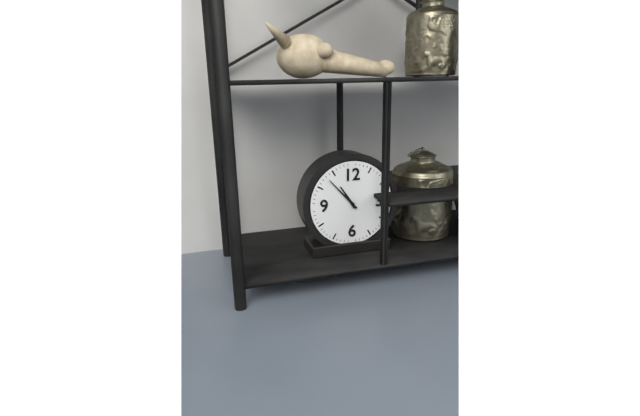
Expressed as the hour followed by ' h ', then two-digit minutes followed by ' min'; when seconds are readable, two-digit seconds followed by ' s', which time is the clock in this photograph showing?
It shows 10 h 53 min
